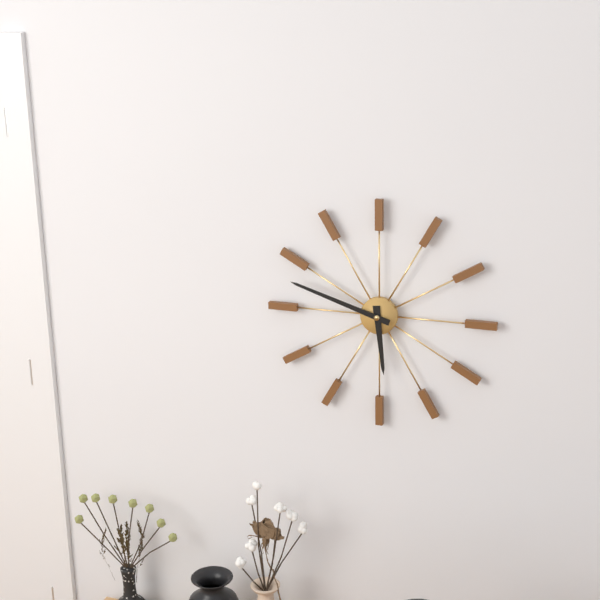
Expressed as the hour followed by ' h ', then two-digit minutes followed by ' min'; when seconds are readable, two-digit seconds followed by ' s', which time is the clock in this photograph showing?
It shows 5 h 48 min
